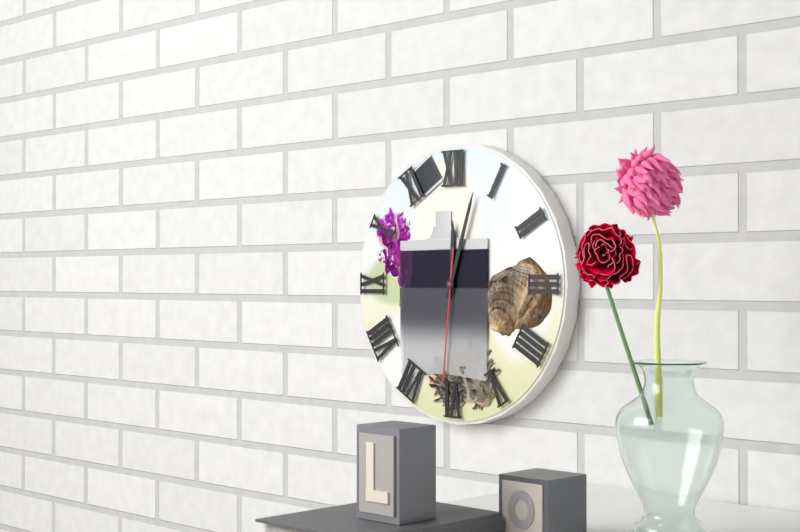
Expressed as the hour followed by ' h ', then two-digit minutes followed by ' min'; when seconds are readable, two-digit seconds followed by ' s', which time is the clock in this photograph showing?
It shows 12 h 03 min 31 s
